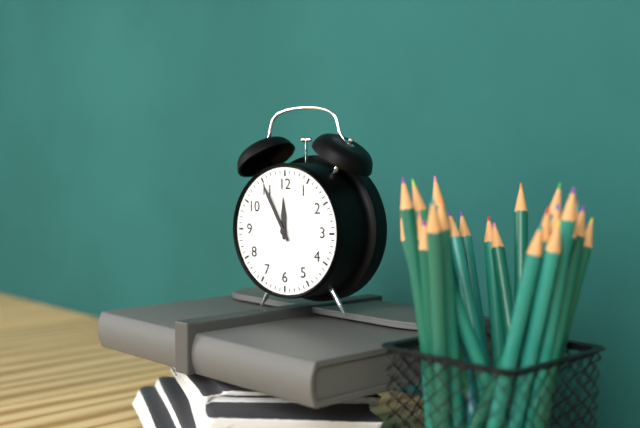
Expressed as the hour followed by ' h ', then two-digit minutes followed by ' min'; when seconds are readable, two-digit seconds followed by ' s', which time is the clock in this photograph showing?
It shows 11 h 55 min
